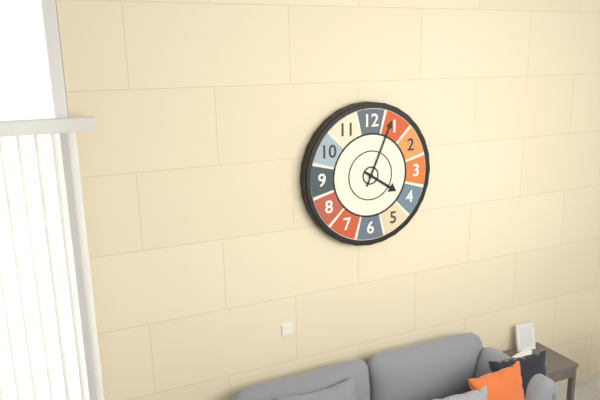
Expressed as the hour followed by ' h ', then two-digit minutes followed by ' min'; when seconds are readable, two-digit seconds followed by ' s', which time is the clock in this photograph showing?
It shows 4 h 04 min
